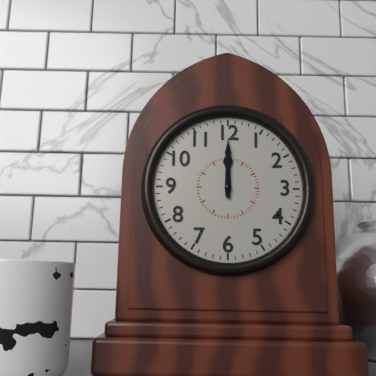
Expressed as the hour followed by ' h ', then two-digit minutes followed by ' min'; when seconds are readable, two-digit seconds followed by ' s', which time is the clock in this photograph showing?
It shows 12 h 00 min
